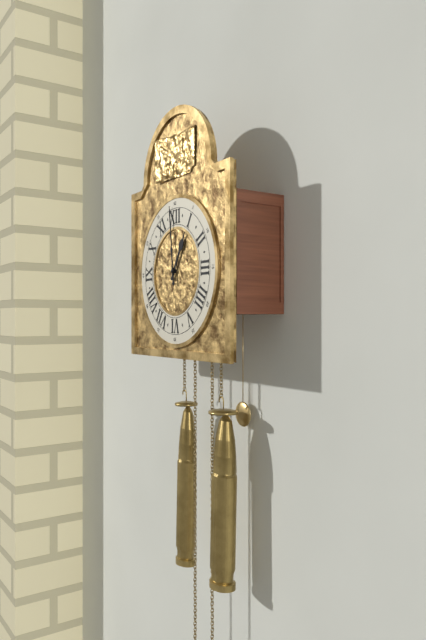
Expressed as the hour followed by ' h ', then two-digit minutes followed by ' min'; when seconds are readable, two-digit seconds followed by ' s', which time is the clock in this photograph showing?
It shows 12 h 59 min
